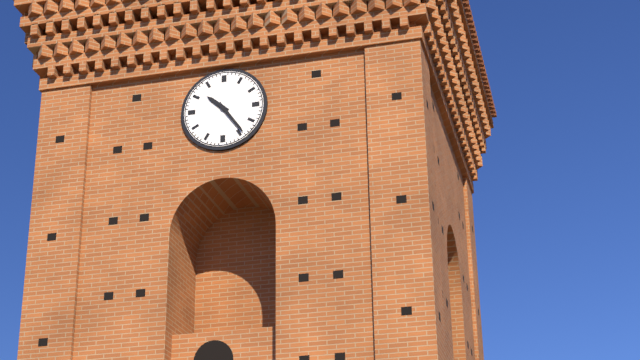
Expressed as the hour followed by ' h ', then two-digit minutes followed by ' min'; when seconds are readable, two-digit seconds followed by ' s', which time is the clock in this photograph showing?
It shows 10 h 24 min
